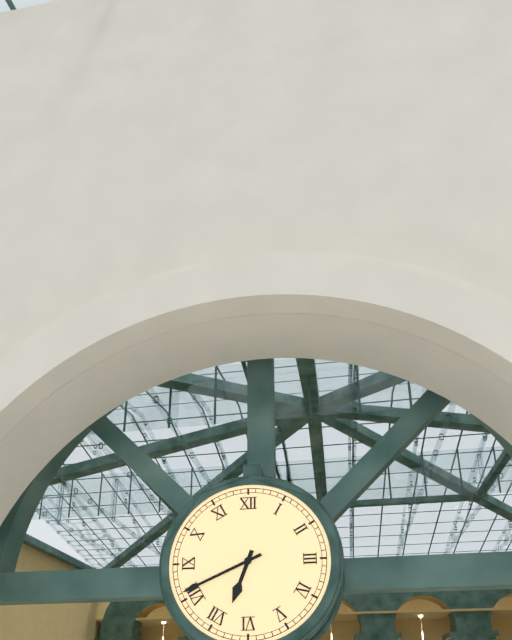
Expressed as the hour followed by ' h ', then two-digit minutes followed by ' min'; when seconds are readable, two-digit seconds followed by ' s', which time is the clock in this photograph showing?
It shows 6 h 41 min
